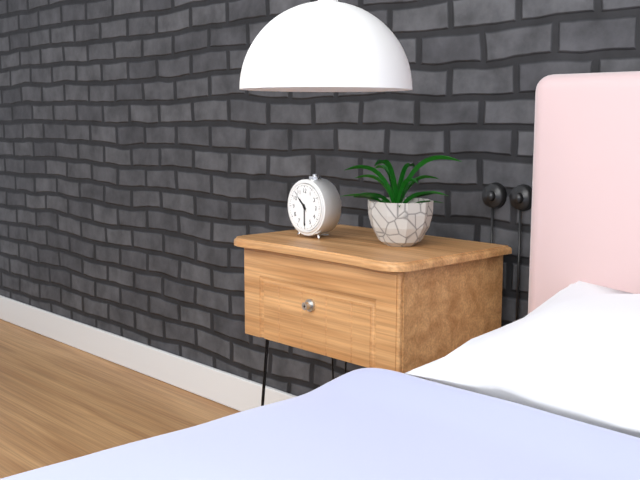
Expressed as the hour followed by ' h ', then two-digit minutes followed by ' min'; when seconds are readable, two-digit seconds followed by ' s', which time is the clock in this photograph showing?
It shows 10 h 30 min
